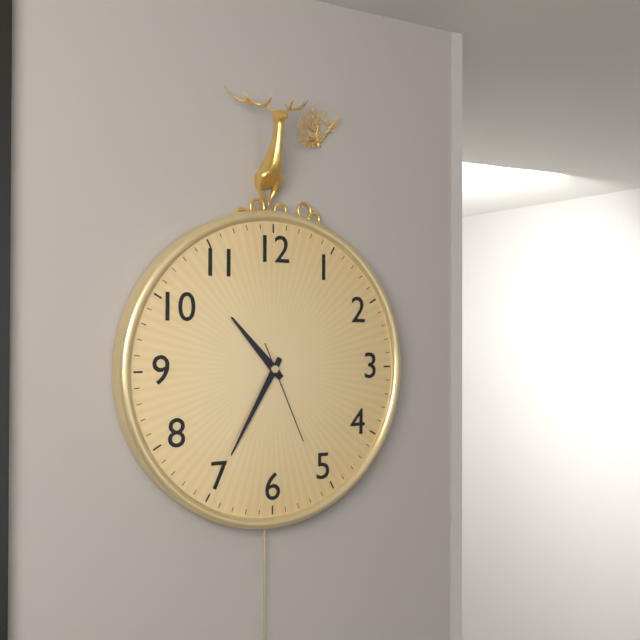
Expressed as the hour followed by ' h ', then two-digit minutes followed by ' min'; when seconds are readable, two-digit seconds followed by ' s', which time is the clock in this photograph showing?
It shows 10 h 35 min 26 s
